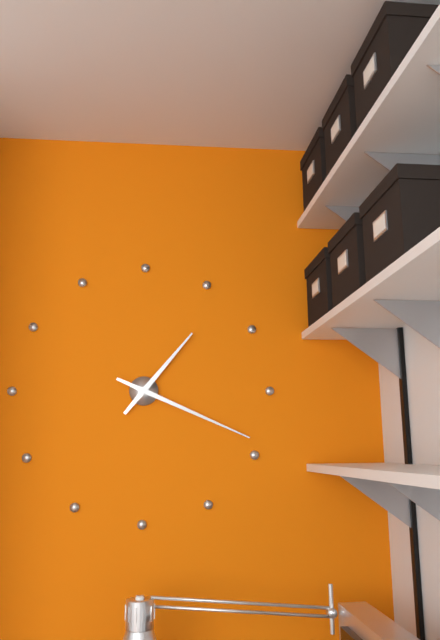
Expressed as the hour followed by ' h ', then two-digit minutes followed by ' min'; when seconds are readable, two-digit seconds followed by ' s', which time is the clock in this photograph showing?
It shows 1 h 19 min
